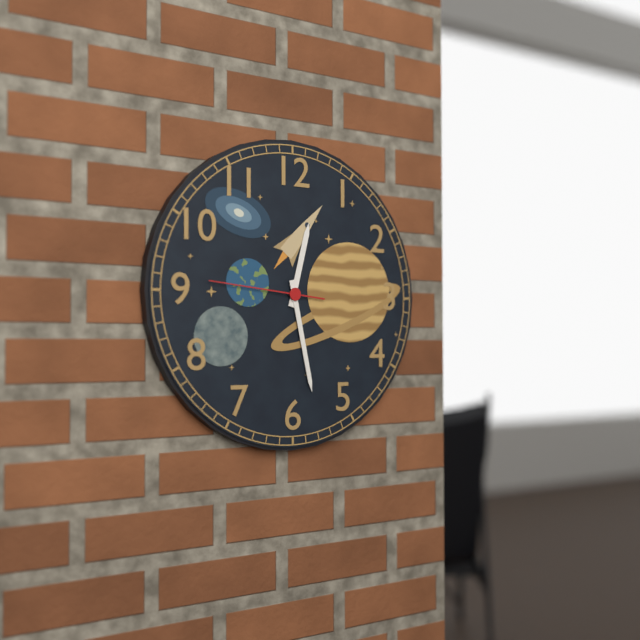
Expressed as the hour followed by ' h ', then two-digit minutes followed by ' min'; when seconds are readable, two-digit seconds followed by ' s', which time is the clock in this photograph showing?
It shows 12 h 28 min 46 s
